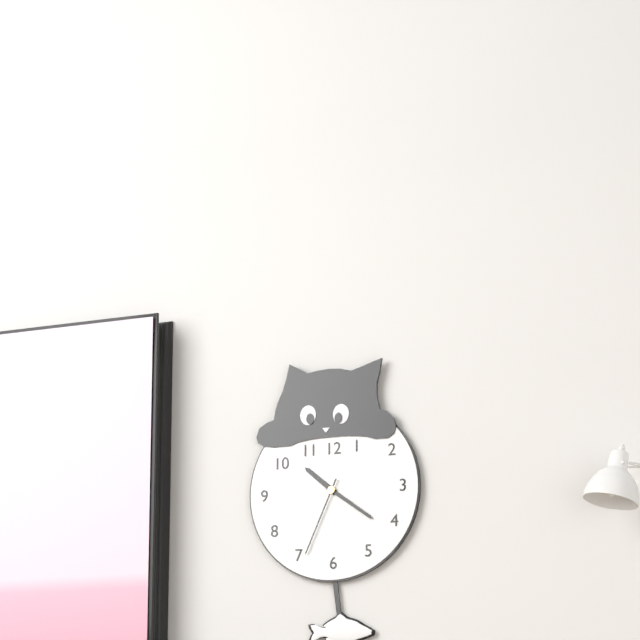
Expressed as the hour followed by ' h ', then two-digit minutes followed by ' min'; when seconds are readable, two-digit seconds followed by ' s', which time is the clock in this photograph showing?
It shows 10 h 21 min 34 s
